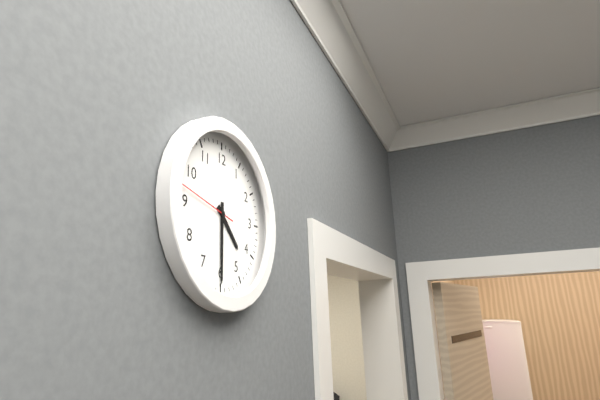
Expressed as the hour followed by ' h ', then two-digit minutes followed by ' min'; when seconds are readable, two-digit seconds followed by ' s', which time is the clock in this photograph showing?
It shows 4 h 30 min 47 s
